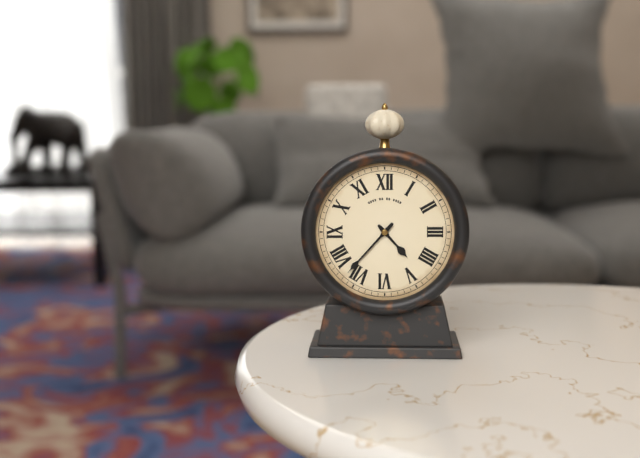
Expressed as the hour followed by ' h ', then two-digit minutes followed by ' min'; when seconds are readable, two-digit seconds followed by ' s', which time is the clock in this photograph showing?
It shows 4 h 37 min
